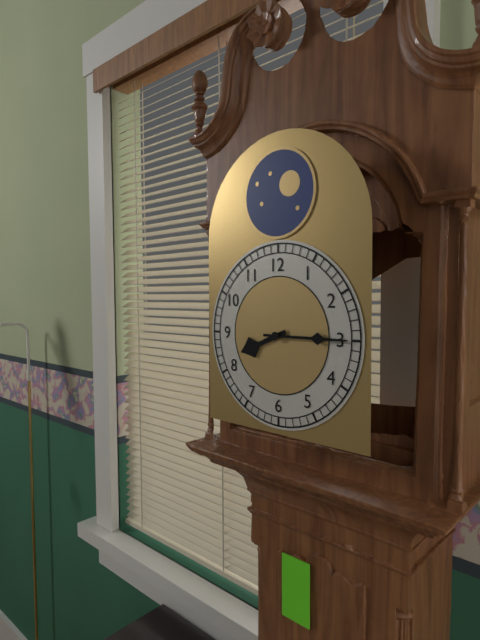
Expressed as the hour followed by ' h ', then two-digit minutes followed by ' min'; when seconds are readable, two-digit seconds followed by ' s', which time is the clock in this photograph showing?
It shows 8 h 15 min
